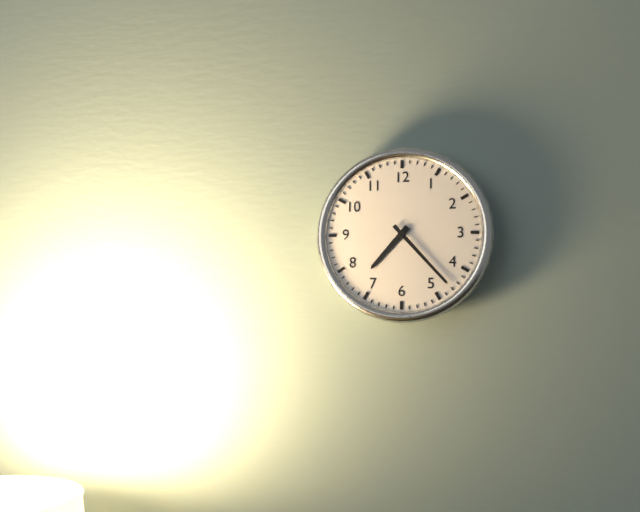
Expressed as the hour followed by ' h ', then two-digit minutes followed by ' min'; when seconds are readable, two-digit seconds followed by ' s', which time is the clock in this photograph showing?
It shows 7 h 23 min
